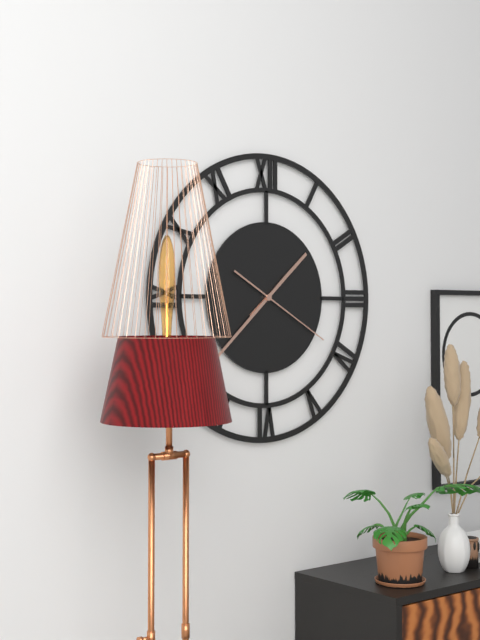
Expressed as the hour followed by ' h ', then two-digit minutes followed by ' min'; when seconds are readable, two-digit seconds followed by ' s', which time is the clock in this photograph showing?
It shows 1 h 38 min 20 s
